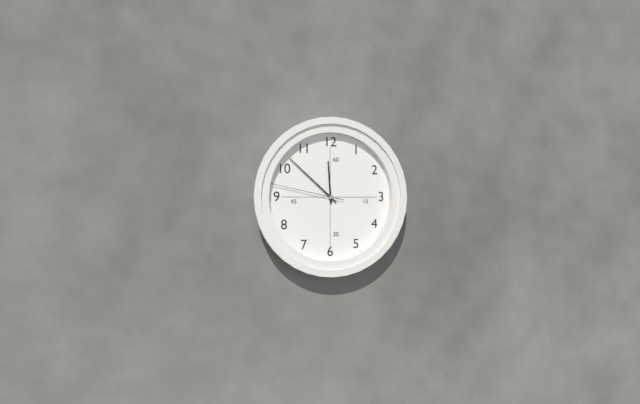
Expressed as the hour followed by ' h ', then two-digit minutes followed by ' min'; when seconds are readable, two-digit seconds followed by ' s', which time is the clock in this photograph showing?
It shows 11 h 52 min 47 s
